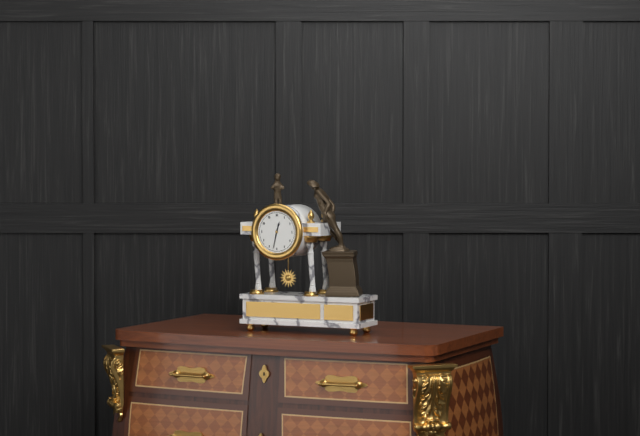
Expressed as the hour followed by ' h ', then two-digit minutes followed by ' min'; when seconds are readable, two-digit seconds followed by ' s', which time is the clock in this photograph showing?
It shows 12 h 32 min
